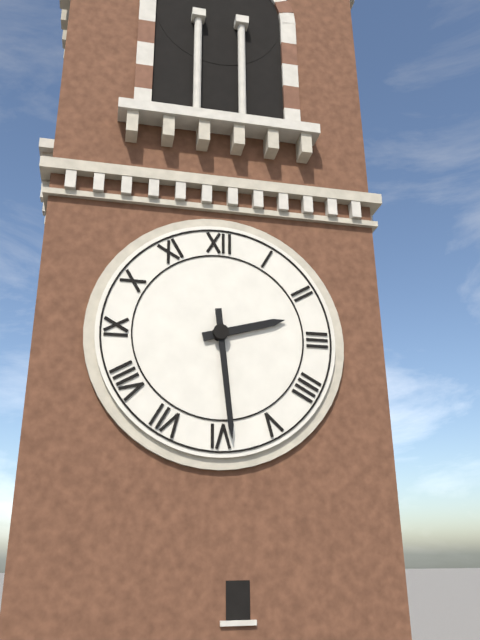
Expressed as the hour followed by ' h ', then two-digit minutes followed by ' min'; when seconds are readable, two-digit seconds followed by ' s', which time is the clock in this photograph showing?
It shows 2 h 29 min
